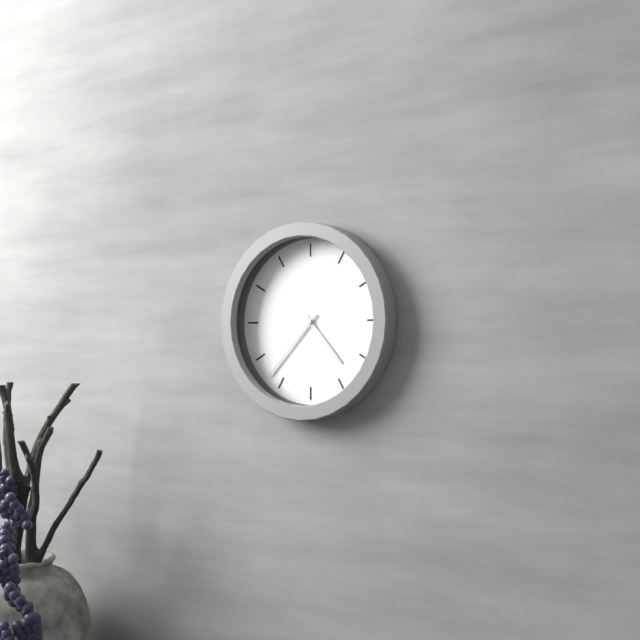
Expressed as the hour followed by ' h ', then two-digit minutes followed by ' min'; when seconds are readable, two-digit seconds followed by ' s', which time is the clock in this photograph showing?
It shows 4 h 37 min
